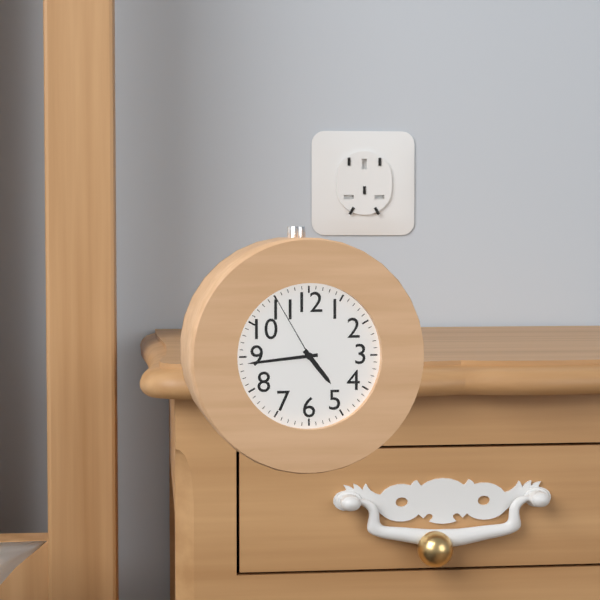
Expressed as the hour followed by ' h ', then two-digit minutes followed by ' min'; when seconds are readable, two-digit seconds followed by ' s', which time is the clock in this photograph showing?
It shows 4 h 44 min 55 s
